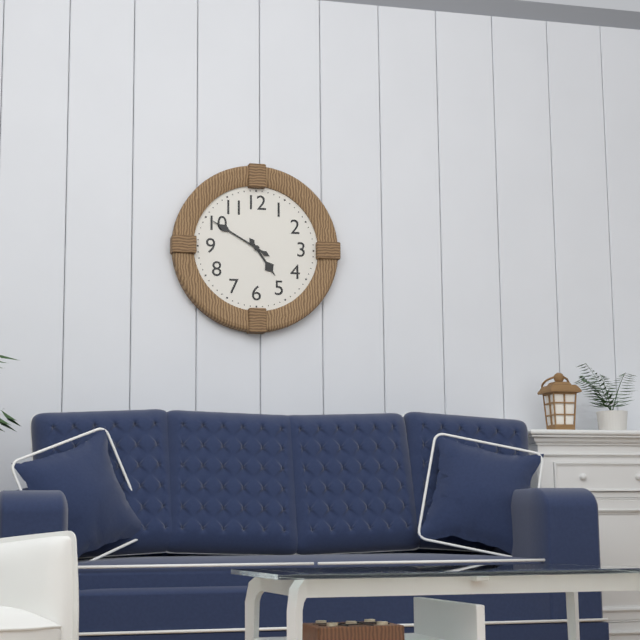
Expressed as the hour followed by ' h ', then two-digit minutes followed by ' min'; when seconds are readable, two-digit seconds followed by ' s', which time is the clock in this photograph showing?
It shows 4 h 50 min
